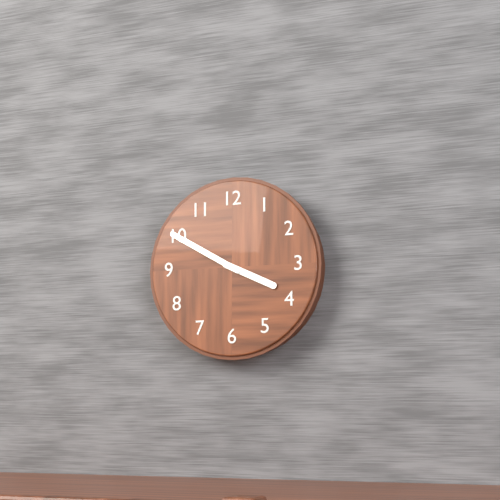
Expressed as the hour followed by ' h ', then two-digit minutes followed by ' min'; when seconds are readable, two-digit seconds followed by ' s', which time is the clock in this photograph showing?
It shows 3 h 50 min
